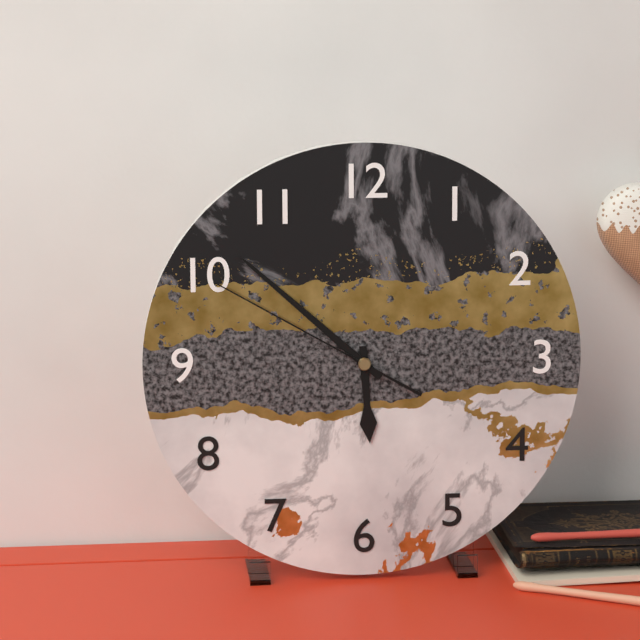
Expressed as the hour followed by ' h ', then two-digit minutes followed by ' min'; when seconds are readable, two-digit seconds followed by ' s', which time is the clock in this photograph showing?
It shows 5 h 52 min 50 s
